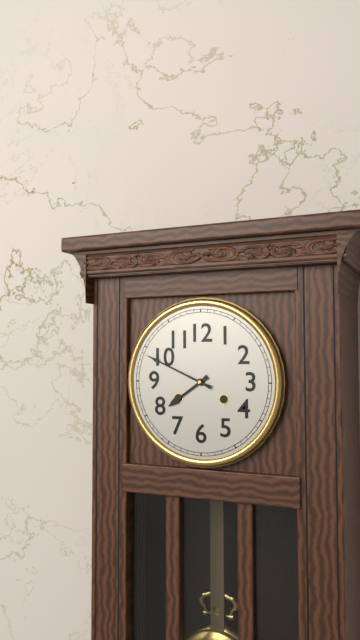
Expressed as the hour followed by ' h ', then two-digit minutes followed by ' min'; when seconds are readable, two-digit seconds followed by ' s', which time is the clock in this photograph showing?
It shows 7 h 49 min
